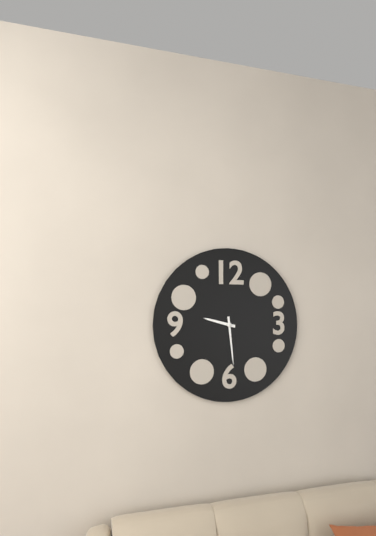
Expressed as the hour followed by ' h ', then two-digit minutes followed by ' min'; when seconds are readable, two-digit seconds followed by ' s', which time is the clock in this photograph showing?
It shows 9 h 29 min
